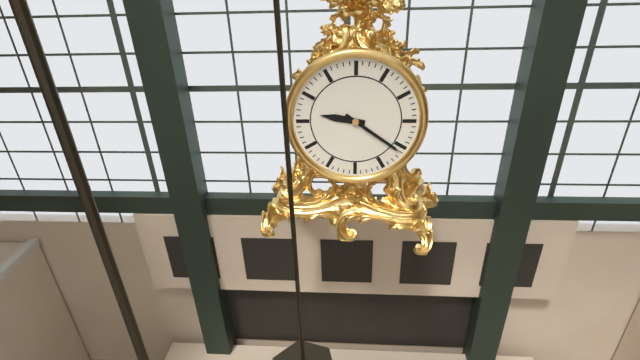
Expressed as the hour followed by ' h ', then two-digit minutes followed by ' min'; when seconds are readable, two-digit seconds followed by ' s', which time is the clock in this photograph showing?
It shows 9 h 21 min
